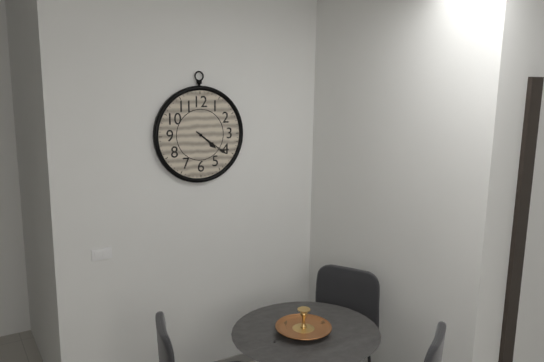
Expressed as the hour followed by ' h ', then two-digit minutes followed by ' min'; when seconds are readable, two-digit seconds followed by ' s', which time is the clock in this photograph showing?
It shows 4 h 21 min
